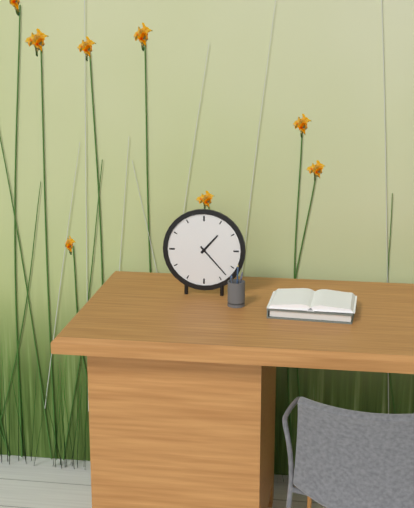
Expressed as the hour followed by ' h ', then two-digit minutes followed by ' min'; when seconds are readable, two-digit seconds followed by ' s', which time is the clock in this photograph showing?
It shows 1 h 23 min
